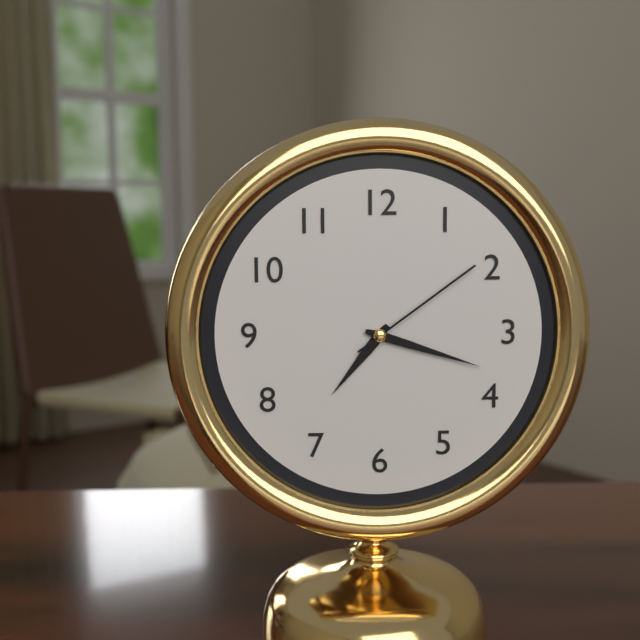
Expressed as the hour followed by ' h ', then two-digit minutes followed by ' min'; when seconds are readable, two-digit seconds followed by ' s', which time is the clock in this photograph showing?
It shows 7 h 18 min 09 s
